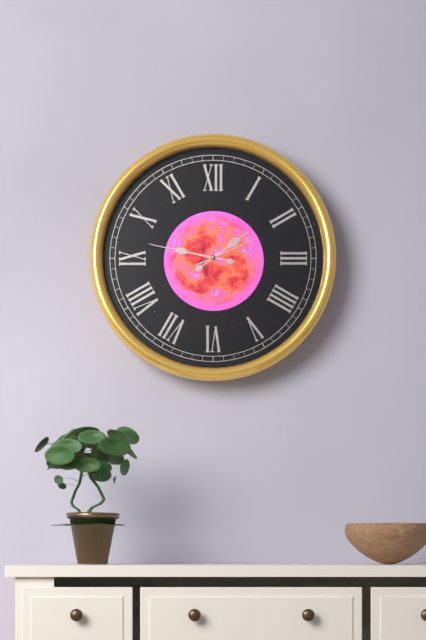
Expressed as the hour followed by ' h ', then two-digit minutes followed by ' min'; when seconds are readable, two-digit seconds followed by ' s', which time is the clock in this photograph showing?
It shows 1 h 47 min 11 s
